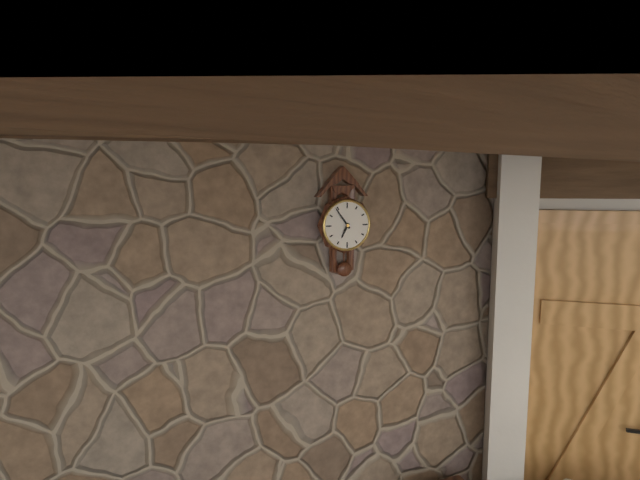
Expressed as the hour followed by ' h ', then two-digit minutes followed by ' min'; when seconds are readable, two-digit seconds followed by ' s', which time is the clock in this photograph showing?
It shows 6 h 54 min
